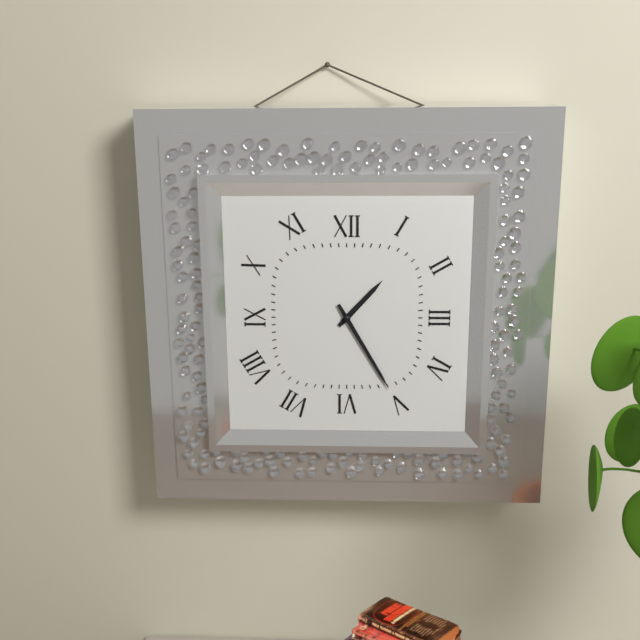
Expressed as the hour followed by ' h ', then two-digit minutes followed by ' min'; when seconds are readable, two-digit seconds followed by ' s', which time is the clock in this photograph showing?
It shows 1 h 25 min
